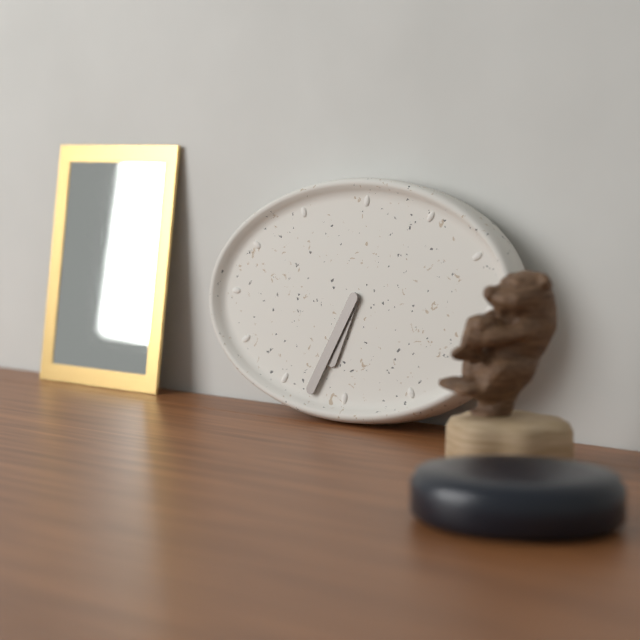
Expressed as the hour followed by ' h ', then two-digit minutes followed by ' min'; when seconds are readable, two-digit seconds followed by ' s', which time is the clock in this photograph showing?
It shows 6 h 34 min
